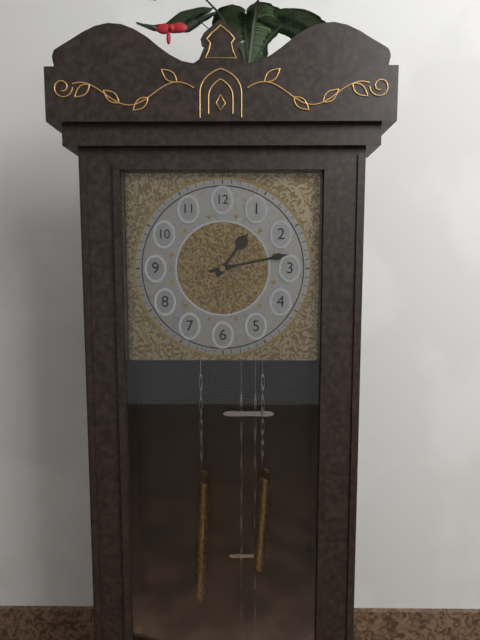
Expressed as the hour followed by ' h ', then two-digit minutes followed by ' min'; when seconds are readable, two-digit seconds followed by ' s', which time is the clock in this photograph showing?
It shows 1 h 13 min
